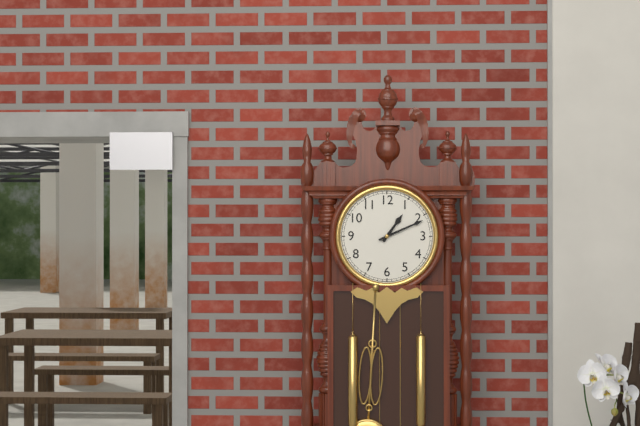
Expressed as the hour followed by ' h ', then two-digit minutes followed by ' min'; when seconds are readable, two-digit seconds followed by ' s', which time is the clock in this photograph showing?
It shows 1 h 11 min
